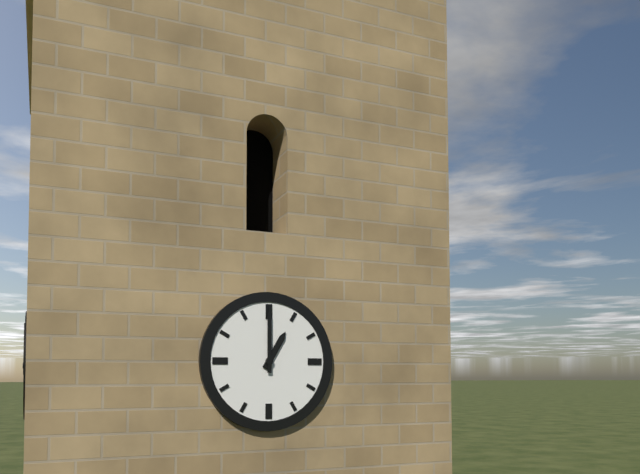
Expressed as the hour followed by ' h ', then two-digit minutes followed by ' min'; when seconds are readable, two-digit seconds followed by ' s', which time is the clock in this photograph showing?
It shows 1 h 00 min
